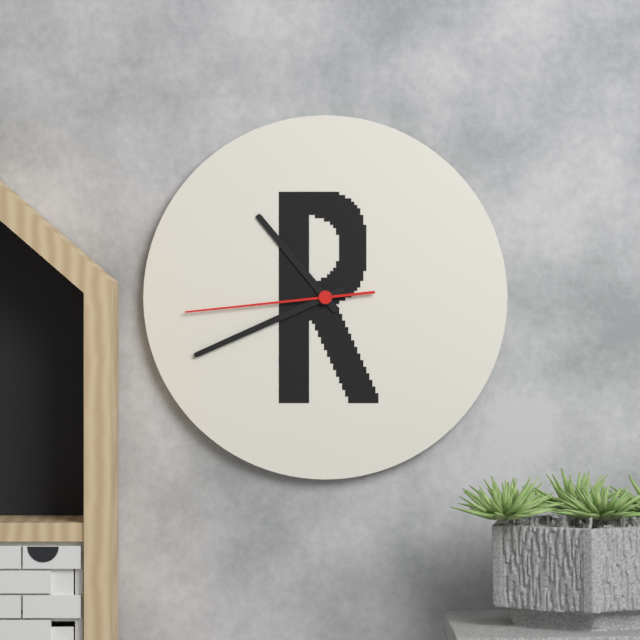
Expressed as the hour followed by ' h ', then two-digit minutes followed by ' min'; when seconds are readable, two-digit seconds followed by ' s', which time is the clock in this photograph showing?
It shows 10 h 41 min 44 s
